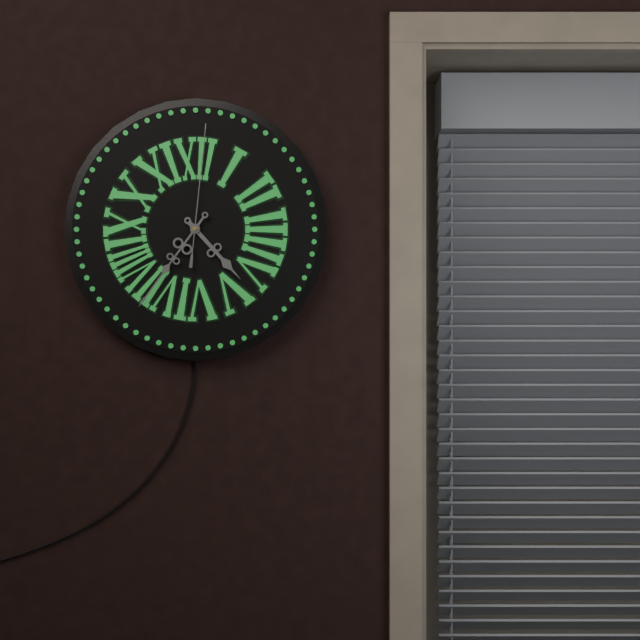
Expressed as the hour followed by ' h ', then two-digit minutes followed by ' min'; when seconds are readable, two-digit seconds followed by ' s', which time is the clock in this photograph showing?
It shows 4 h 36 min 01 s
